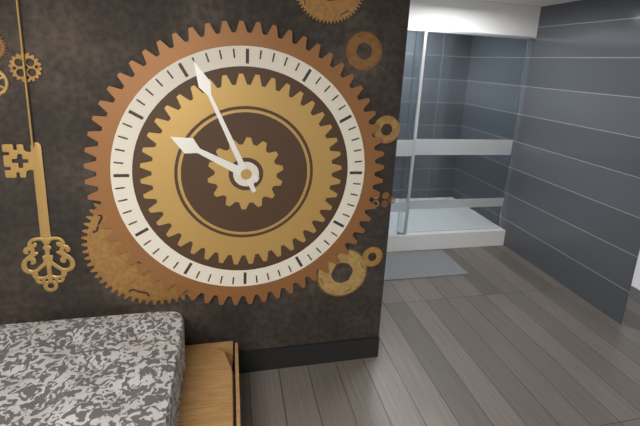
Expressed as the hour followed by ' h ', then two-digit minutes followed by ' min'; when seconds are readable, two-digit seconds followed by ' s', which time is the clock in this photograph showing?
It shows 9 h 56 min
